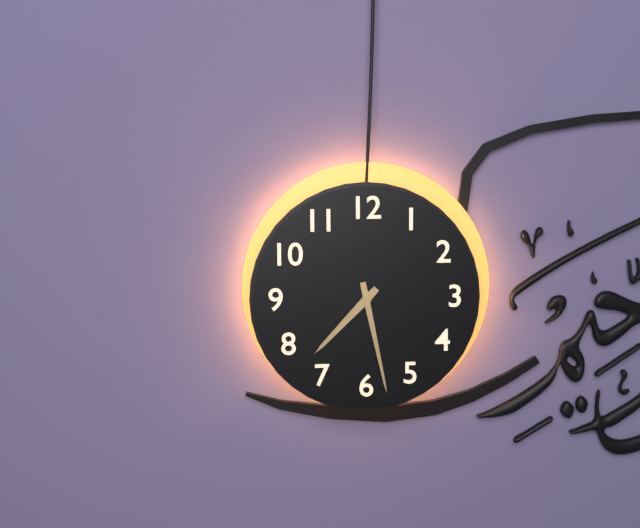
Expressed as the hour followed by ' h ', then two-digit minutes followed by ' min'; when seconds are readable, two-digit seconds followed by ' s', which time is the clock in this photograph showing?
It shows 7 h 28 min
